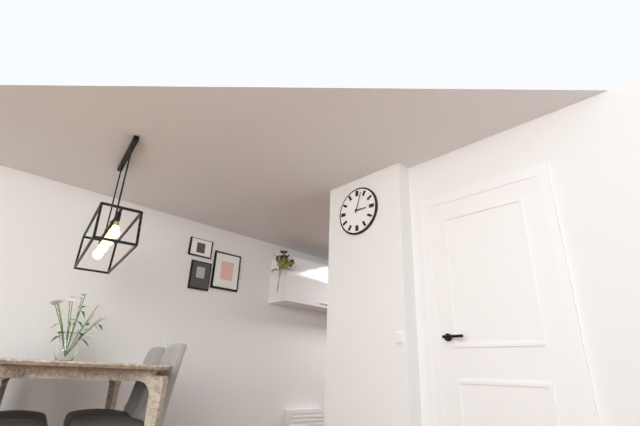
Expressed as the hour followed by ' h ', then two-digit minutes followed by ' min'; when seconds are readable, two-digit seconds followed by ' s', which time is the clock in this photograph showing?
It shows 3 h 03 min
